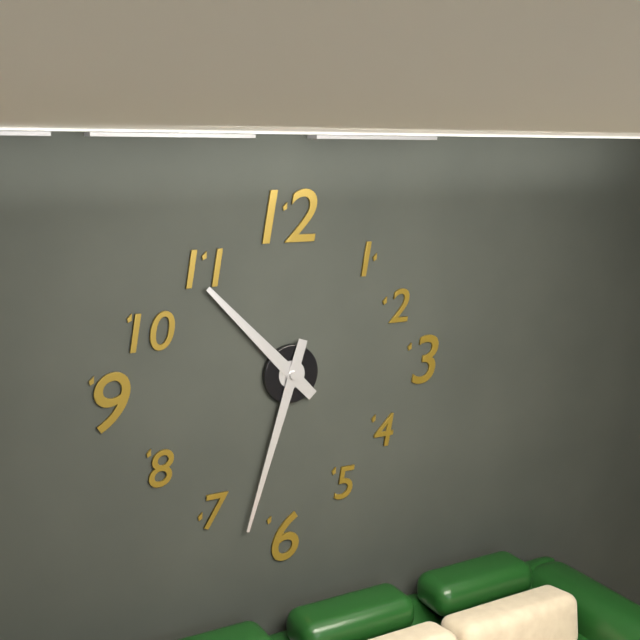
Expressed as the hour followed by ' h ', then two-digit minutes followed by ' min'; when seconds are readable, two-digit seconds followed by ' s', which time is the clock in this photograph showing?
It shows 10 h 33 min
